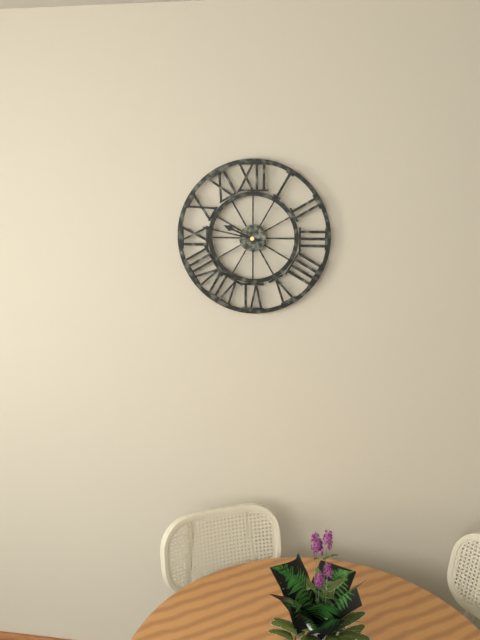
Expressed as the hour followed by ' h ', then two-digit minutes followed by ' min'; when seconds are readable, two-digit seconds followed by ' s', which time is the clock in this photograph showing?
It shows 9 h 47 min
